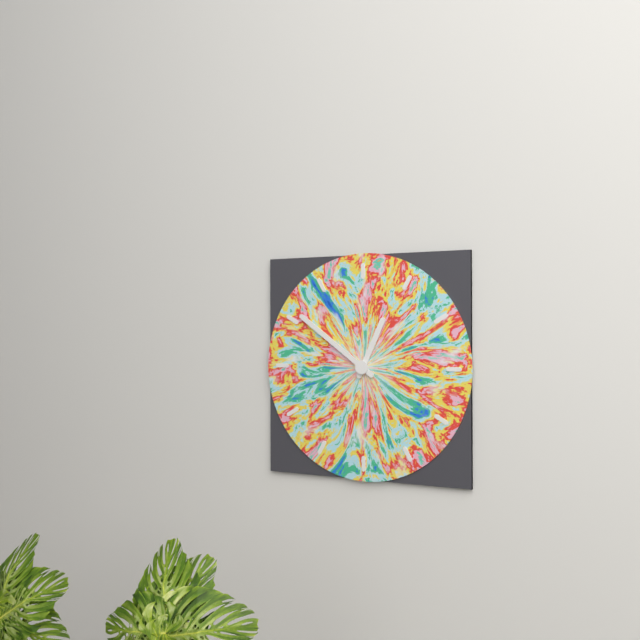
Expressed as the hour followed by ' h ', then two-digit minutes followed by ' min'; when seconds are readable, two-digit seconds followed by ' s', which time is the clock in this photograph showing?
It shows 12 h 51 min
